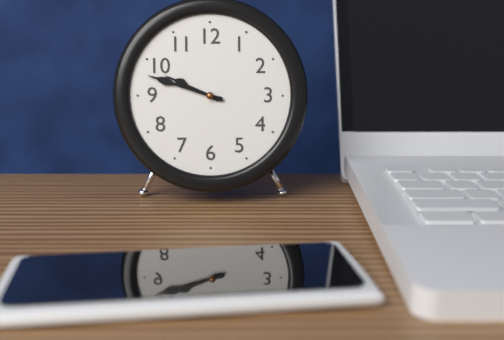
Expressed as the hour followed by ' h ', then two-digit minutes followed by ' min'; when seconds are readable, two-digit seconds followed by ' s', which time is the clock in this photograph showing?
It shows 9 h 48 min
